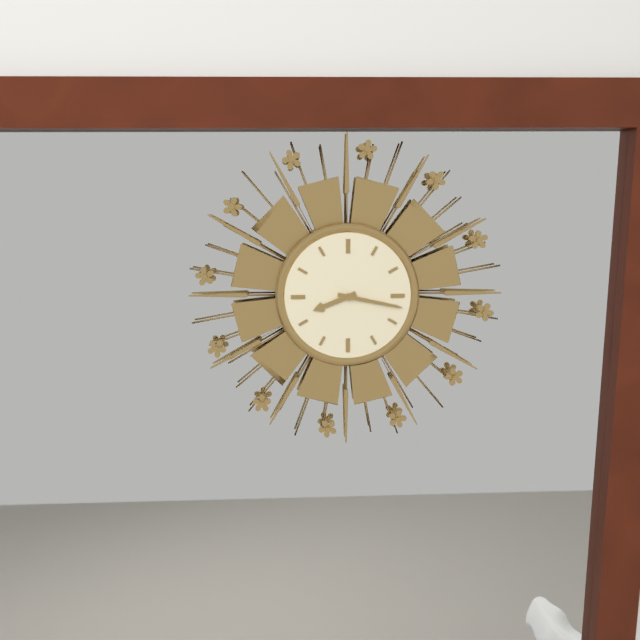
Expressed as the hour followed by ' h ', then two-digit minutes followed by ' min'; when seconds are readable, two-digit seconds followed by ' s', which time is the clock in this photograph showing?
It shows 8 h 17 min
